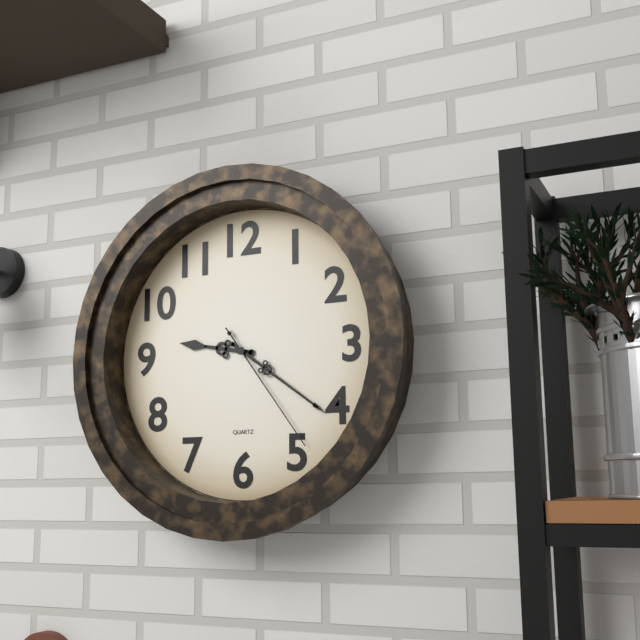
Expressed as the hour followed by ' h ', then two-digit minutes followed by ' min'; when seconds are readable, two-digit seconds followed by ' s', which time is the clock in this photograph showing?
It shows 9 h 21 min 24 s
